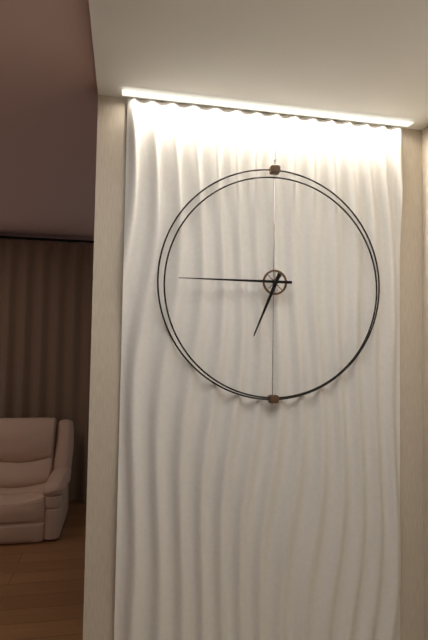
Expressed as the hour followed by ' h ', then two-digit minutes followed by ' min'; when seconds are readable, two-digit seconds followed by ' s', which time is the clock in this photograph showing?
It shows 6 h 45 min
